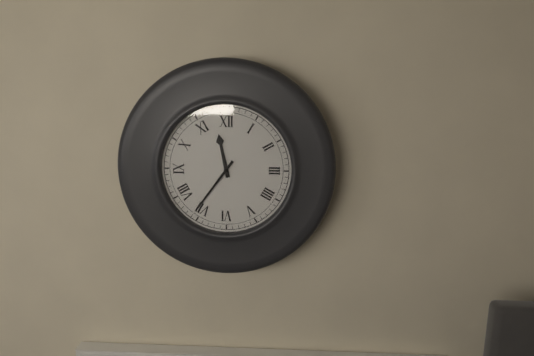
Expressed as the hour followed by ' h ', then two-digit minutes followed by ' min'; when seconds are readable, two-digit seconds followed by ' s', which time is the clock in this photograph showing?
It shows 11 h 36 min
